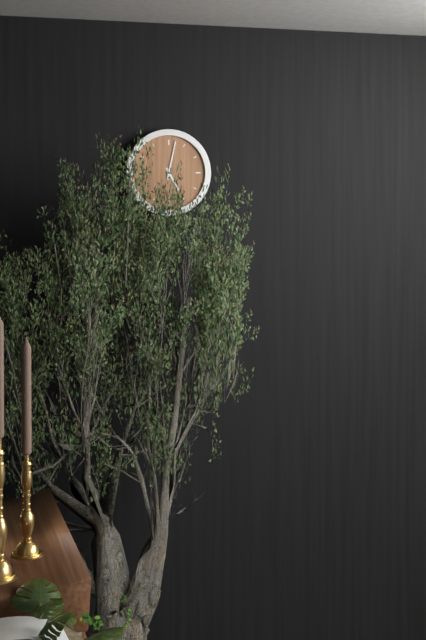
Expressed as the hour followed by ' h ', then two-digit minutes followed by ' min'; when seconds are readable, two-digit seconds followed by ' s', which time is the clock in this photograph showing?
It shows 5 h 02 min
